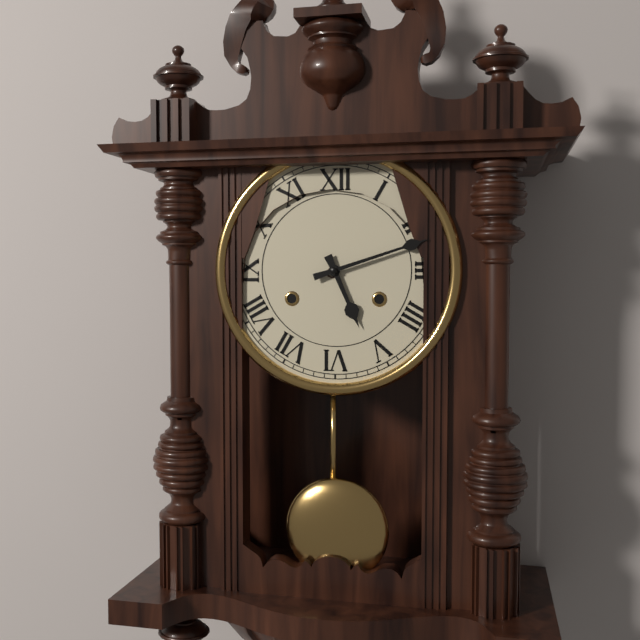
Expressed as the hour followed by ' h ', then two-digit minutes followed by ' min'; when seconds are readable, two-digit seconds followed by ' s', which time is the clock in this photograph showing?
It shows 5 h 12 min
